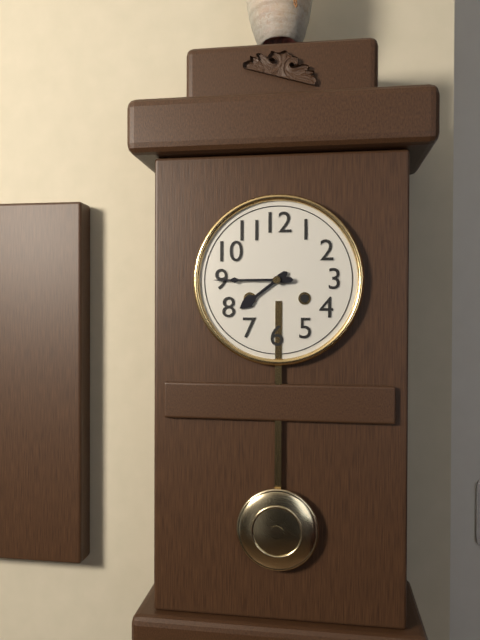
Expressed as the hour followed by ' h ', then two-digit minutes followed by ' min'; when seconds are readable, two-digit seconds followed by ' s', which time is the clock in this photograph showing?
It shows 7 h 45 min
